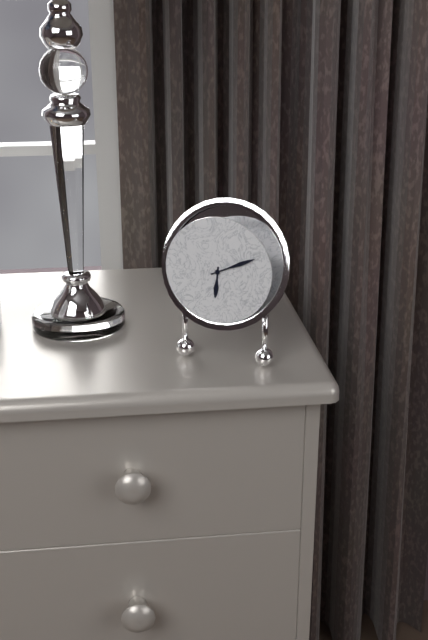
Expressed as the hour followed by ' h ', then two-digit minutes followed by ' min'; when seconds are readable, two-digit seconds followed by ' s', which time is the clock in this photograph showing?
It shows 6 h 11 min
